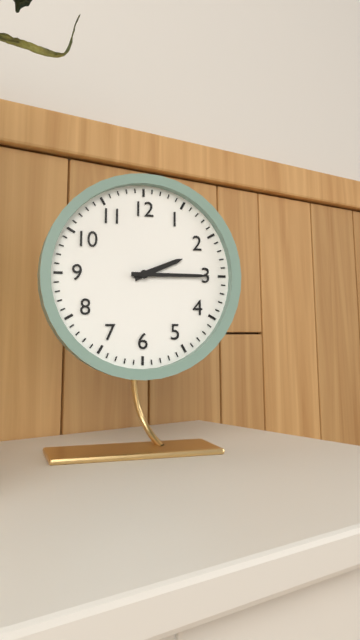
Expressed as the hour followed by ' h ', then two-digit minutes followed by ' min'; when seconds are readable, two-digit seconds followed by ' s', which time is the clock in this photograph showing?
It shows 2 h 15 min
